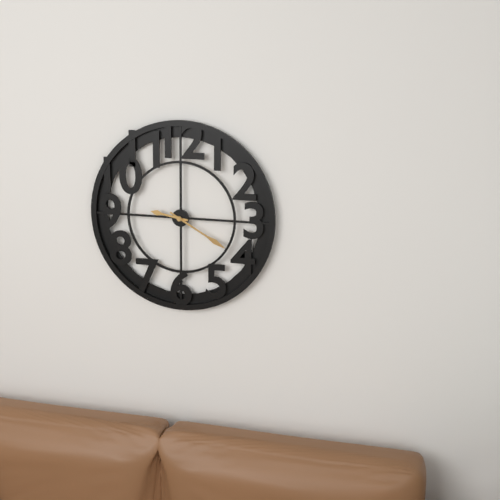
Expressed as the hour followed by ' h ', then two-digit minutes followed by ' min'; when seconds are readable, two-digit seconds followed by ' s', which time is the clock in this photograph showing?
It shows 9 h 20 min
